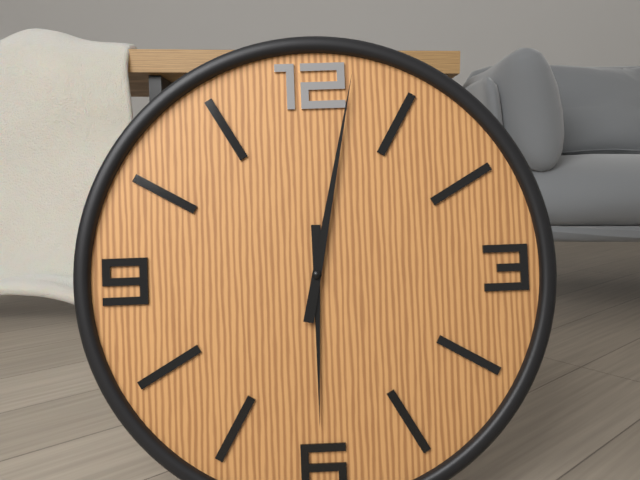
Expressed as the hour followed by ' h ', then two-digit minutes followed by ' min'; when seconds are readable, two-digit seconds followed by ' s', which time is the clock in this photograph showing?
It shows 6 h 02 min
